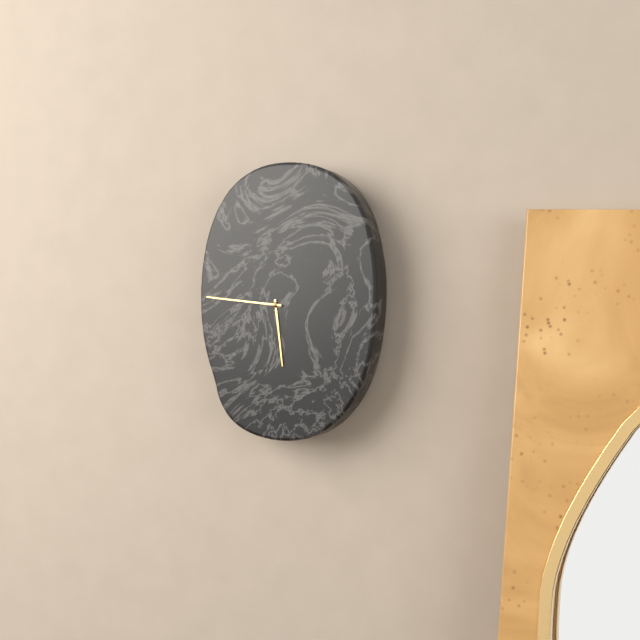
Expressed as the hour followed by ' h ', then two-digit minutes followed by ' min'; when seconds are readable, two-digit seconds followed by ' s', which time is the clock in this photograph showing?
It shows 5 h 46 min
